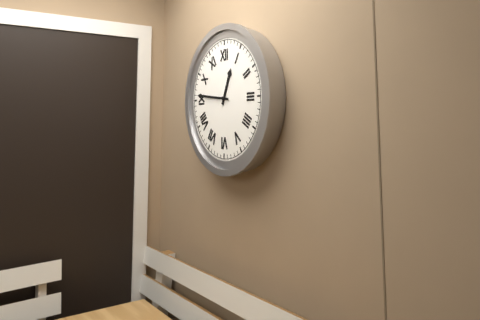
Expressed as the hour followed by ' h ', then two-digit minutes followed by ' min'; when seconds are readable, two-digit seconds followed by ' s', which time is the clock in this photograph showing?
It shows 12 h 46 min
